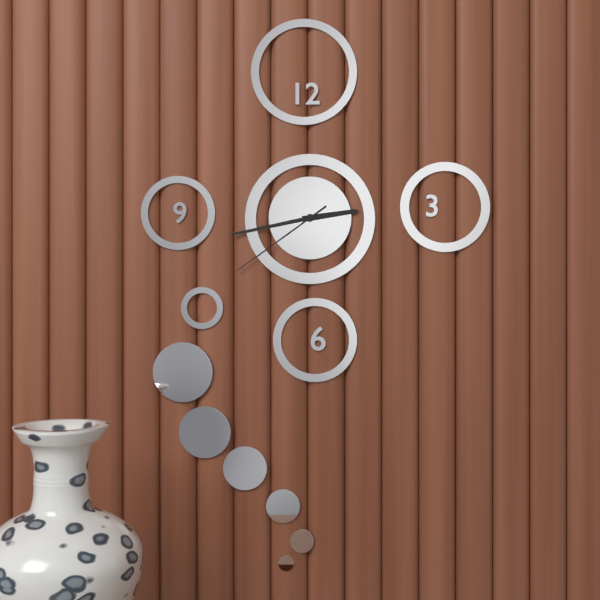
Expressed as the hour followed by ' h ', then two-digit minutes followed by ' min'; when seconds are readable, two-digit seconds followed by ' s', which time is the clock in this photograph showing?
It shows 2 h 43 min 39 s
